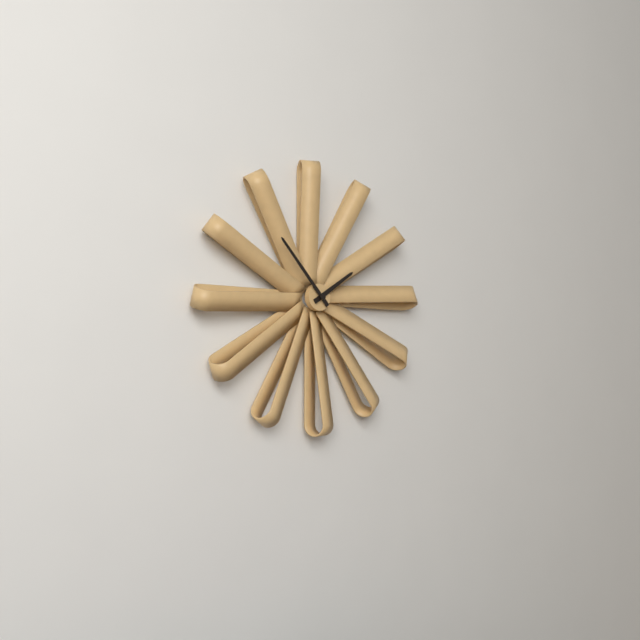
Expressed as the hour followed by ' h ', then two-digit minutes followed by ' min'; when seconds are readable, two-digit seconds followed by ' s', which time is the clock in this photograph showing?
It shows 1 h 53 min
